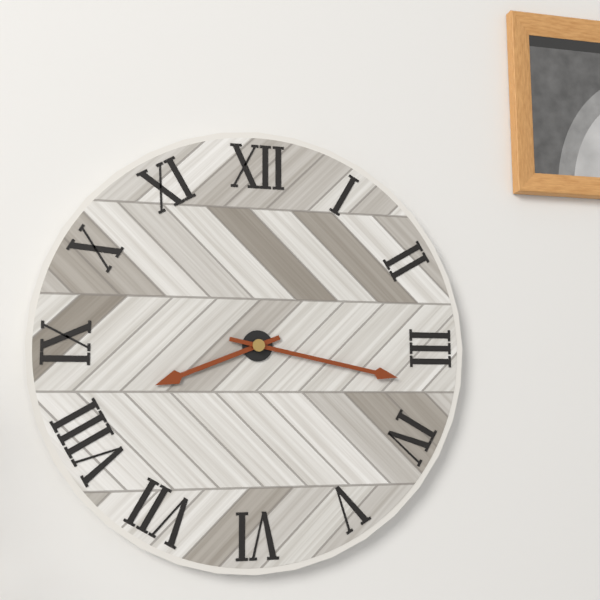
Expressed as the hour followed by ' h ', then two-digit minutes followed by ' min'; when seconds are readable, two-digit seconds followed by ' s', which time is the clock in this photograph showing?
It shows 8 h 17 min
